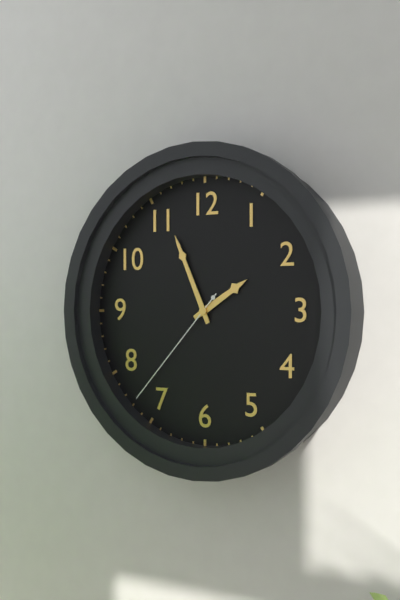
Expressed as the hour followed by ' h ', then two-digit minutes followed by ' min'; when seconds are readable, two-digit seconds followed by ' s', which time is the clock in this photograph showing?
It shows 1 h 56 min 37 s
